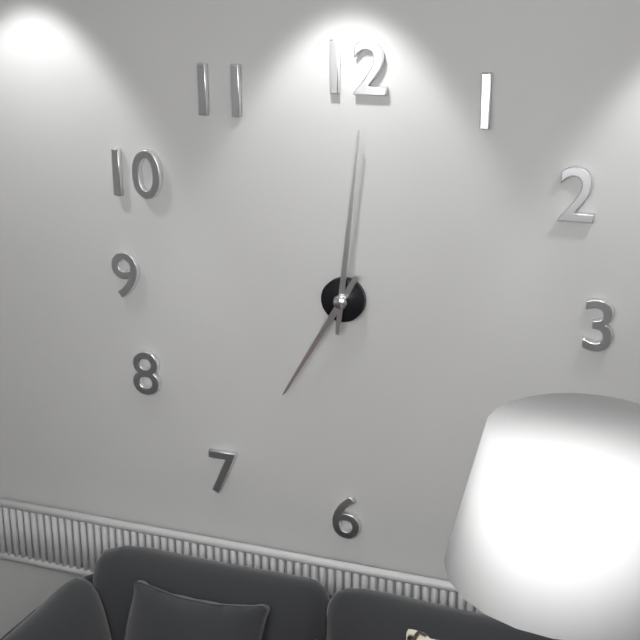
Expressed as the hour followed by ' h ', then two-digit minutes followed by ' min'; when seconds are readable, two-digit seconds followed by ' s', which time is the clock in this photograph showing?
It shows 7 h 01 min
